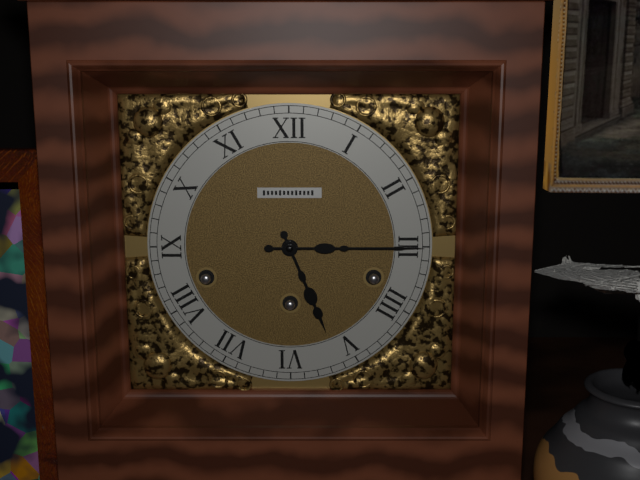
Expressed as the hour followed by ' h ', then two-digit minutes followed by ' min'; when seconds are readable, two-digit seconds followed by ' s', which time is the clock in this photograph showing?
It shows 5 h 15 min
